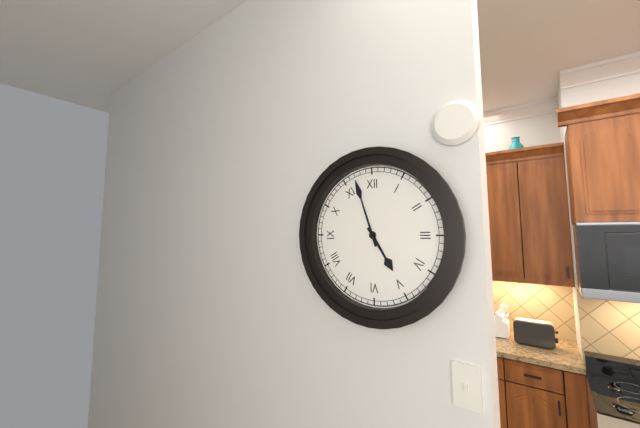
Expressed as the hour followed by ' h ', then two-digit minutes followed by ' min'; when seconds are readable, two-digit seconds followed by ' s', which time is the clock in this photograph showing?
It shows 4 h 57 min
